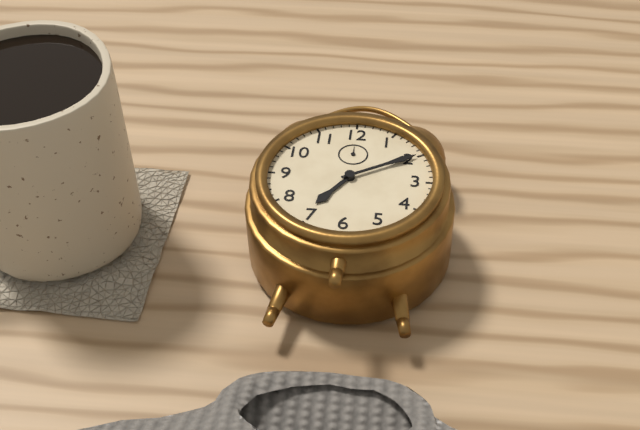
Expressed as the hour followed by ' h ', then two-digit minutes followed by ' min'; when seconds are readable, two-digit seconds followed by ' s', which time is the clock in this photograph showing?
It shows 7 h 10 min
